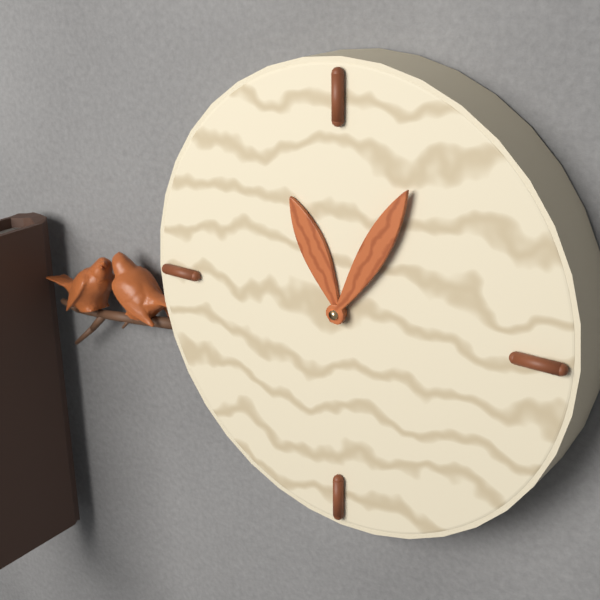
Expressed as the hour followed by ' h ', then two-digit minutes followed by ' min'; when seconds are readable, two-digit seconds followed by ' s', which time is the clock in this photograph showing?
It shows 11 h 05 min
